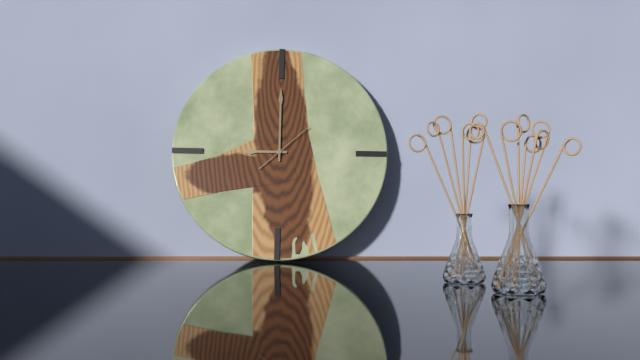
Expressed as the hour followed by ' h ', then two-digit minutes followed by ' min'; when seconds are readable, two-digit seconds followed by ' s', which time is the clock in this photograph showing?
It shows 9 h 00 min 08 s
